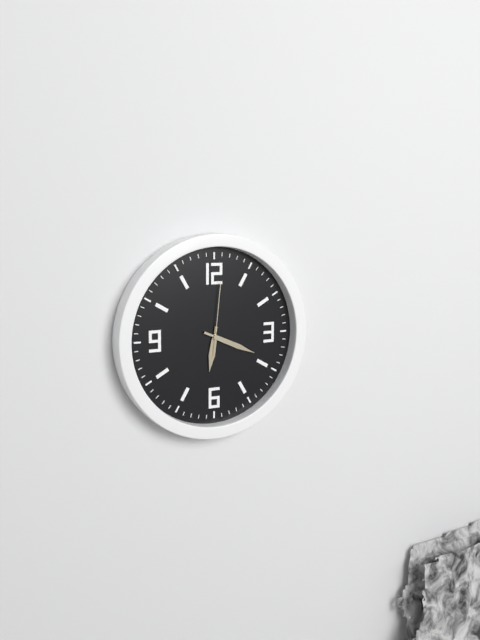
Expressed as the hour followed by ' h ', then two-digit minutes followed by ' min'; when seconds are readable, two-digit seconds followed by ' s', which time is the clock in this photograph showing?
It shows 6 h 19 min 01 s
